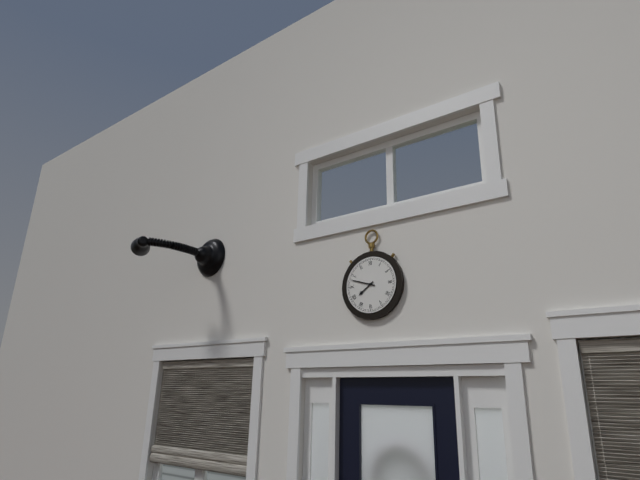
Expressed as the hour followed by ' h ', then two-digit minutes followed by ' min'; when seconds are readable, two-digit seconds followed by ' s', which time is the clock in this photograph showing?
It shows 7 h 48 min
